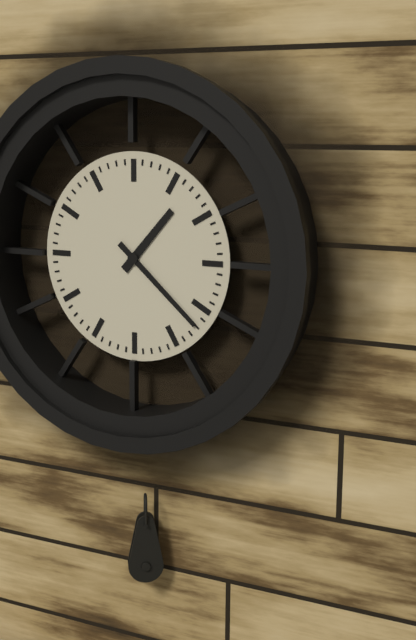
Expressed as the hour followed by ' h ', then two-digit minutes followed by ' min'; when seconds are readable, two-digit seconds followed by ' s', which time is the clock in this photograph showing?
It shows 1 h 22 min
